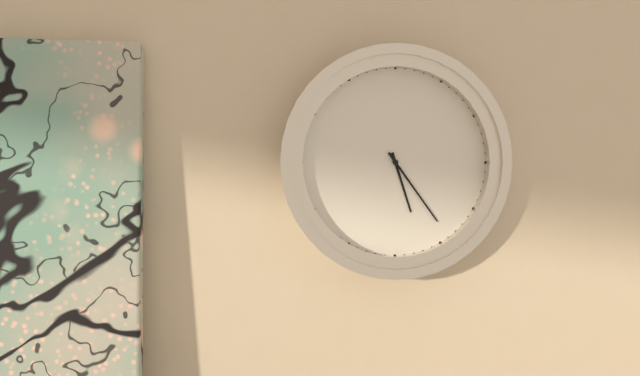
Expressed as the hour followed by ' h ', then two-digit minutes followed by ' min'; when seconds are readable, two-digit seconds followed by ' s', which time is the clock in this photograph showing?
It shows 5 h 24 min
